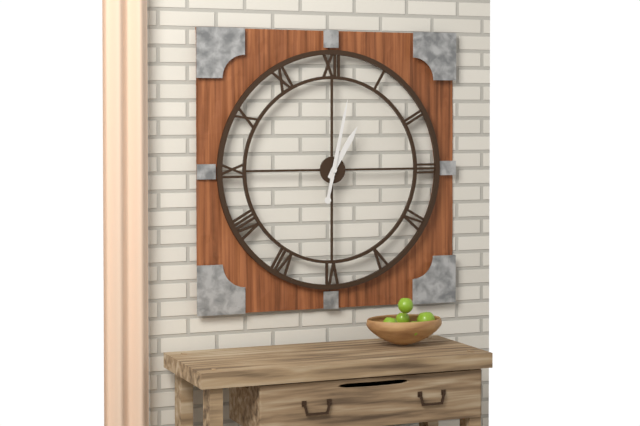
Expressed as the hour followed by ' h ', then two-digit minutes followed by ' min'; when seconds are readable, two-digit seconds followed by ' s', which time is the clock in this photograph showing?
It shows 1 h 02 min
